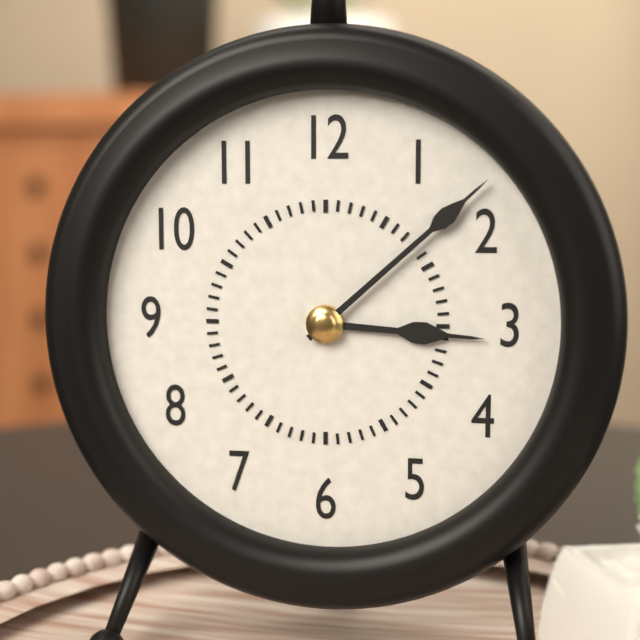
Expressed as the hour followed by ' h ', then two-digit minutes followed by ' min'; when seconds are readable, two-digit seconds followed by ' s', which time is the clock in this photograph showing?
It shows 3 h 08 min
